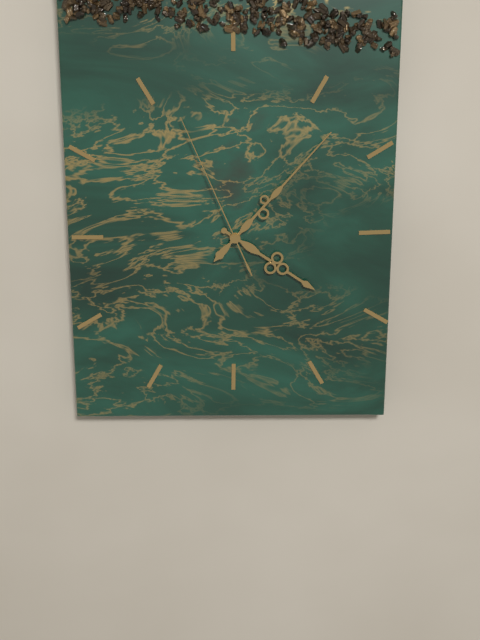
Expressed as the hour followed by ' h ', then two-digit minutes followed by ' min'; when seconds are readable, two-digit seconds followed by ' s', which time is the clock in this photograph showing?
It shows 4 h 07 min 56 s
